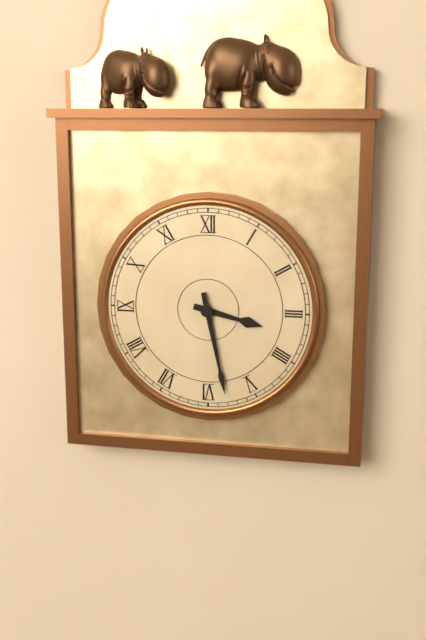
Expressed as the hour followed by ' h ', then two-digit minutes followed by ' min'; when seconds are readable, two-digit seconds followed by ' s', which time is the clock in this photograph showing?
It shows 3 h 28 min
